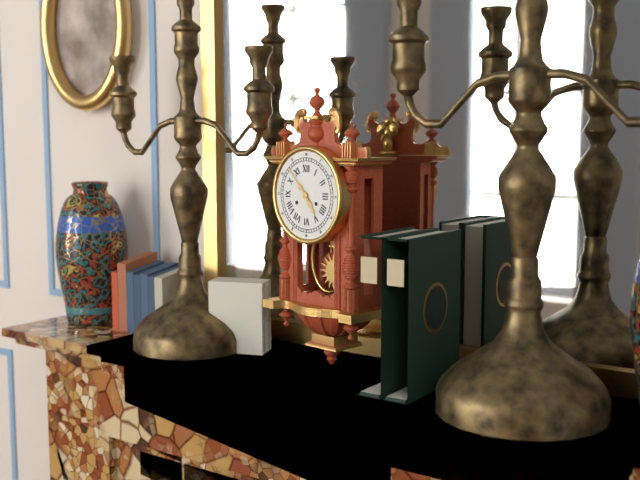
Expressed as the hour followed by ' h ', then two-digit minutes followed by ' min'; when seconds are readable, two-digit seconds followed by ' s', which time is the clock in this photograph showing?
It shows 4 h 53 min
